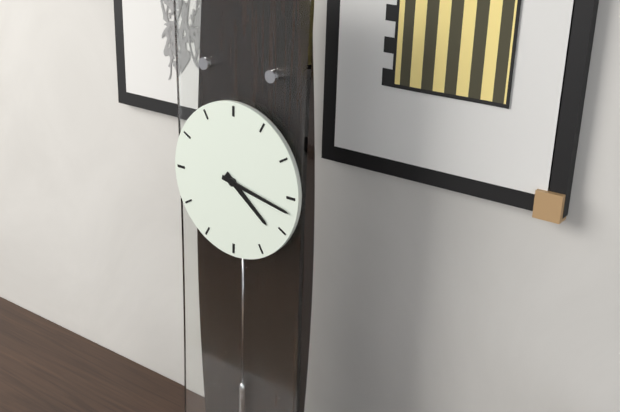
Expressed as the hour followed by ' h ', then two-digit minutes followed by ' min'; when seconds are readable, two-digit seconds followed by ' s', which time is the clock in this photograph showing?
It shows 4 h 17 min
